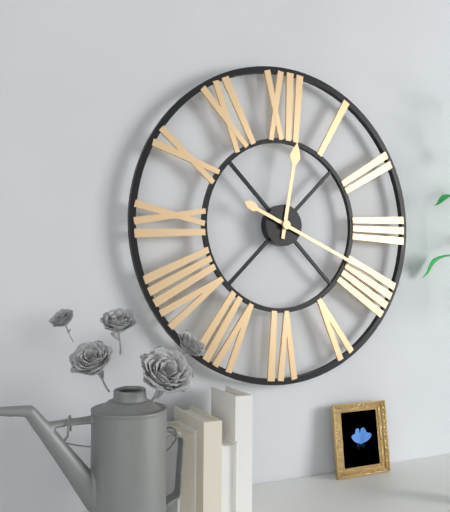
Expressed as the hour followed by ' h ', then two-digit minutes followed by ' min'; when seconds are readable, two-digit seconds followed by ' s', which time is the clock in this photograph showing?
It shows 12 h 19 min
